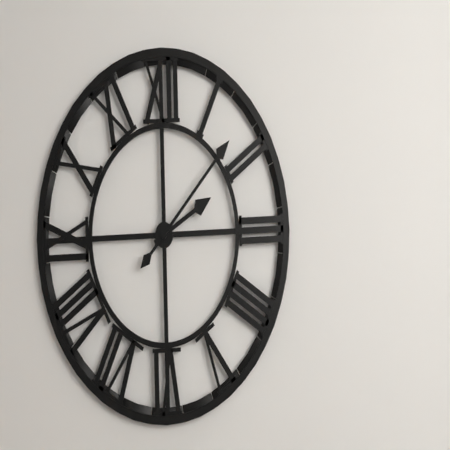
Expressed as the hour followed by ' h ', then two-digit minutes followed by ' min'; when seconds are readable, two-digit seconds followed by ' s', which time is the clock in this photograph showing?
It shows 2 h 08 min
